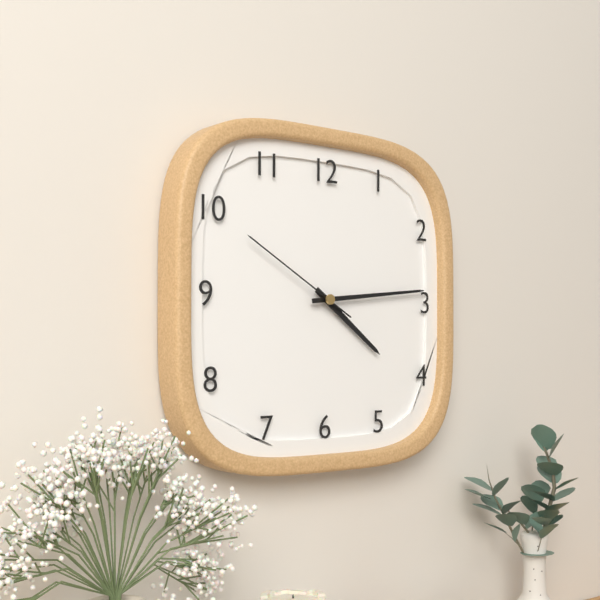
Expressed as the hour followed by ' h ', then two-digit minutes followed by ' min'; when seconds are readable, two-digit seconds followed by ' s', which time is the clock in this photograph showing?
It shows 4 h 14 min 50 s
